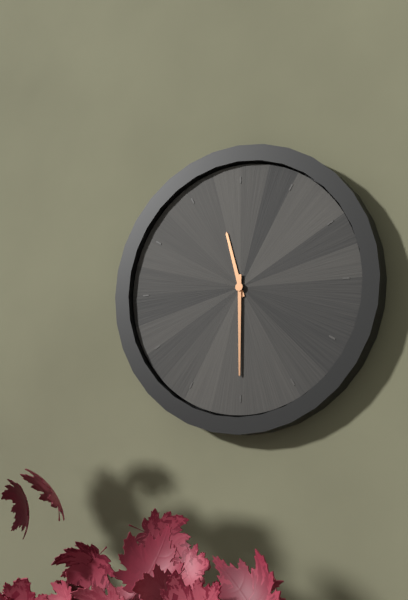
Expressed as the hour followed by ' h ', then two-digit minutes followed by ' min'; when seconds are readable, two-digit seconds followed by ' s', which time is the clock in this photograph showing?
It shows 11 h 30 min
